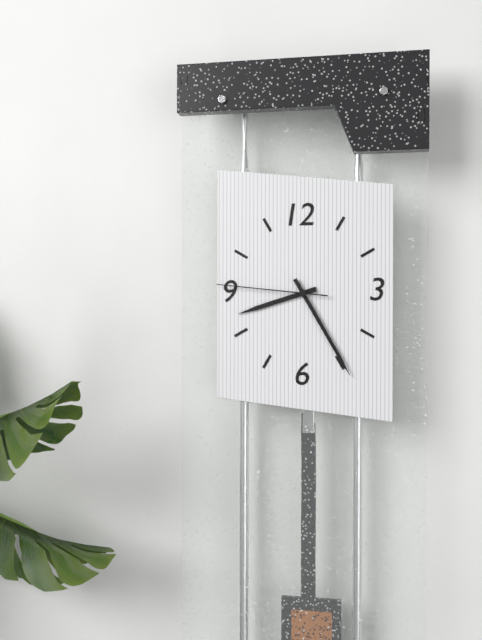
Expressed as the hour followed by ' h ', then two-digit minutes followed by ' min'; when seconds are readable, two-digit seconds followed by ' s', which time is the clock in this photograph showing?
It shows 8 h 25 min 46 s
